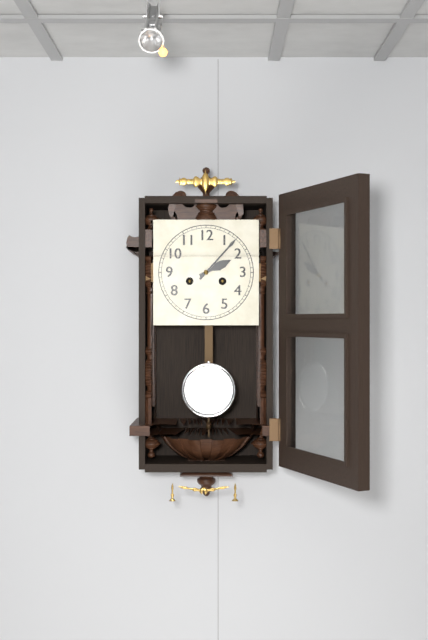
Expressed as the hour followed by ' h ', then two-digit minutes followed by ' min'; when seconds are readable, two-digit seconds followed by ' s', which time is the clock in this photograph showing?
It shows 2 h 07 min
